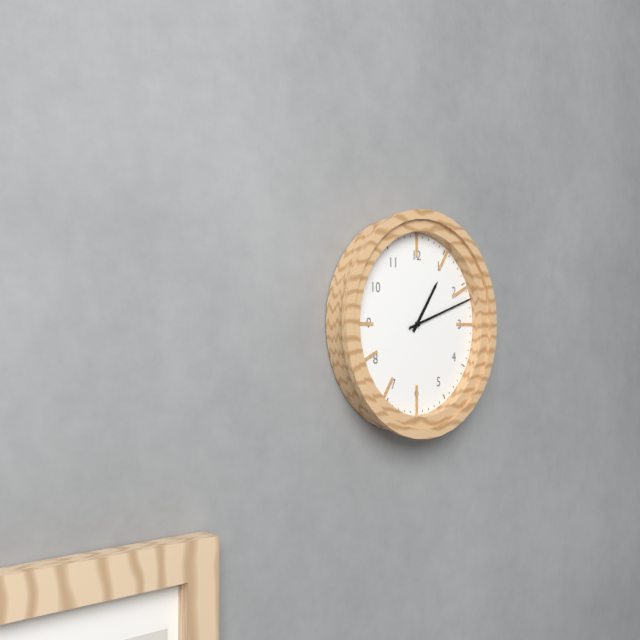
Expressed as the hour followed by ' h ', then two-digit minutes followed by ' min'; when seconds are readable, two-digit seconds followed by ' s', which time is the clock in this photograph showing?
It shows 1 h 12 min
